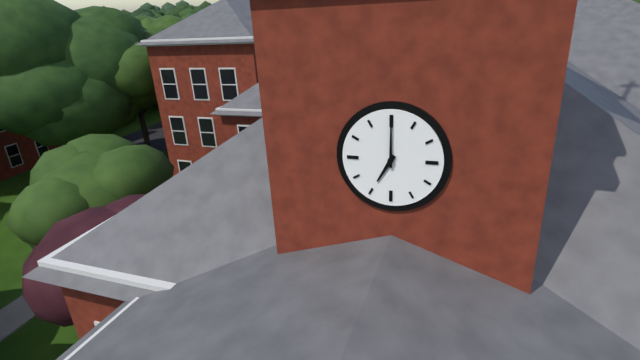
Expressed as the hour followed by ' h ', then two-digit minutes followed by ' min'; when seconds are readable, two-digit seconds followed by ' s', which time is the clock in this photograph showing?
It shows 7 h 00 min
